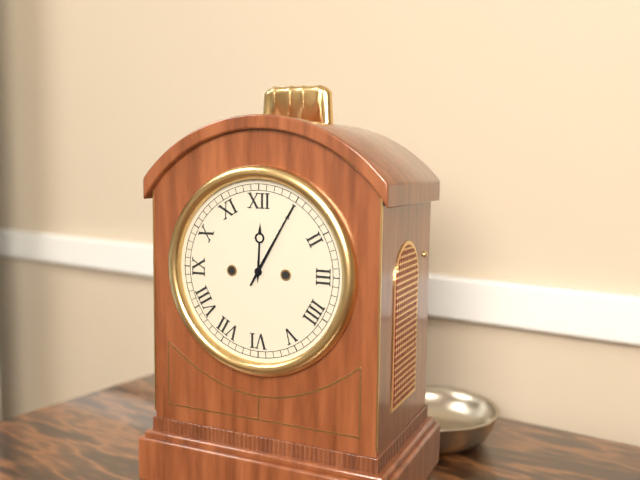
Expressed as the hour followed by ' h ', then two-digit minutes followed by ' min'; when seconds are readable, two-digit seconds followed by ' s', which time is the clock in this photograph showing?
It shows 12 h 05 min
